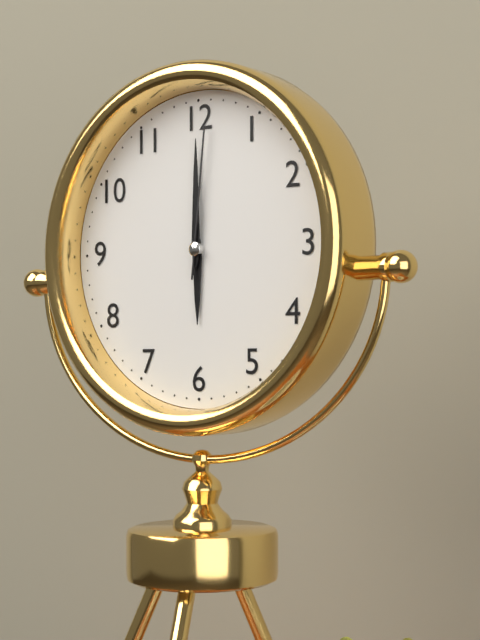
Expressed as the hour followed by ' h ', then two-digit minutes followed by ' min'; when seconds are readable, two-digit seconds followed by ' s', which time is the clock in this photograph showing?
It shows 6 h 00 min 01 s
